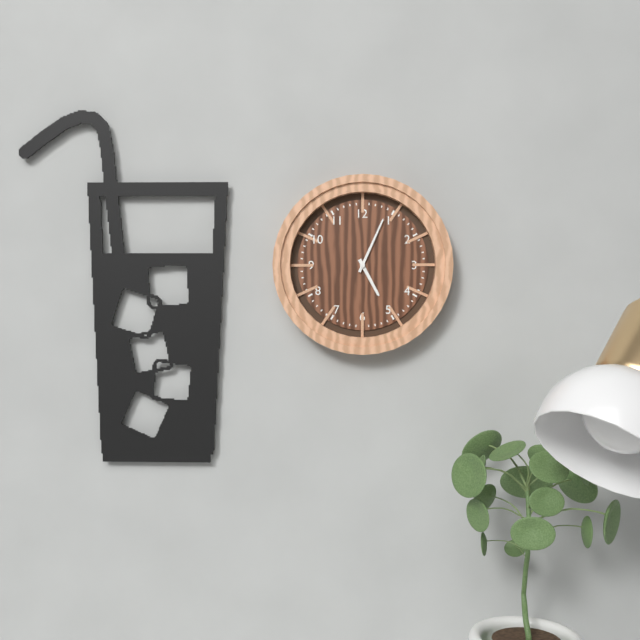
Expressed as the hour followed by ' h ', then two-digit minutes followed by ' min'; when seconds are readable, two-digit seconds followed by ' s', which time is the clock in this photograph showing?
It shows 5 h 04 min
